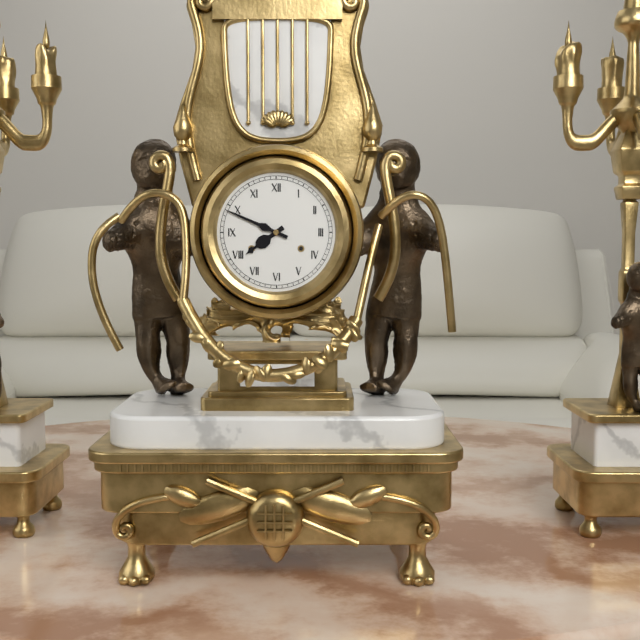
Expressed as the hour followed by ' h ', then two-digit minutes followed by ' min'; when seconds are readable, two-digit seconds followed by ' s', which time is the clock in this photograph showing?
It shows 7 h 49 min
